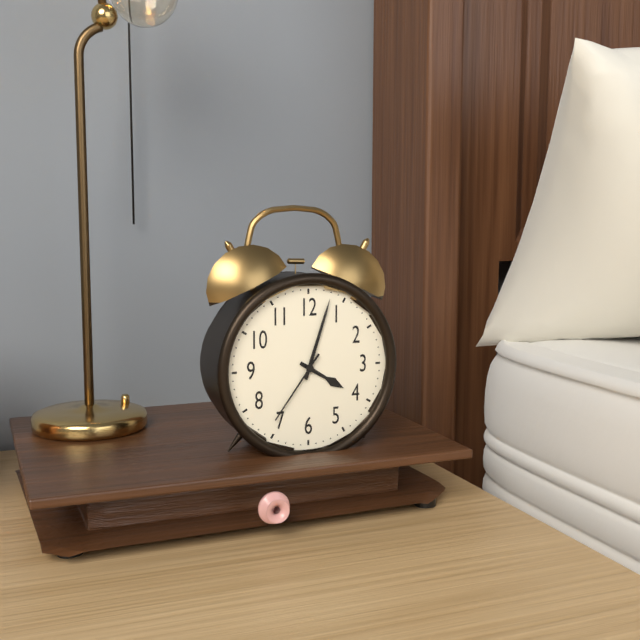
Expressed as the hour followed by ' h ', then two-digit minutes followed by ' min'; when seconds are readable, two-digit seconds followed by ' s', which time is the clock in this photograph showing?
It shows 4 h 03 min 36 s
